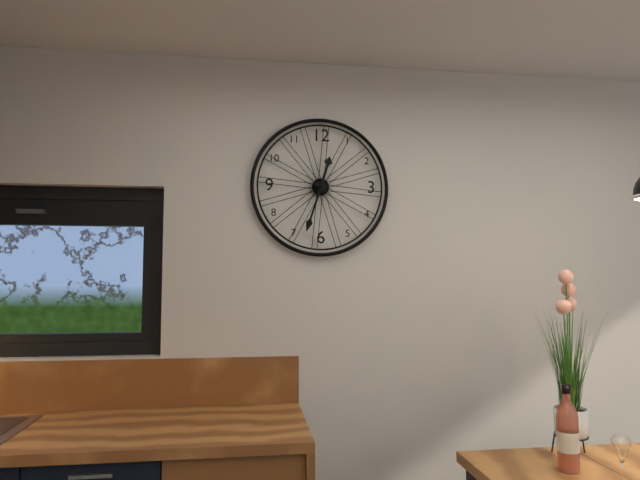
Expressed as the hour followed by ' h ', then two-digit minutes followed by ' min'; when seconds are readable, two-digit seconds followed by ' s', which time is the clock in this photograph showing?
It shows 12 h 33 min
